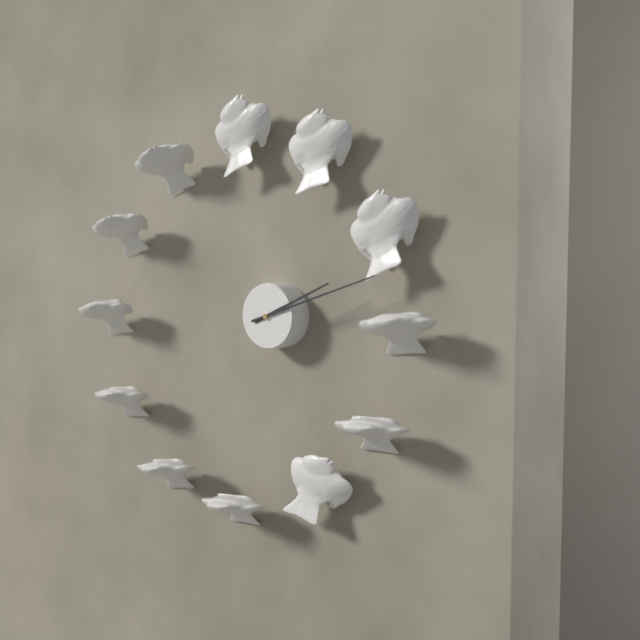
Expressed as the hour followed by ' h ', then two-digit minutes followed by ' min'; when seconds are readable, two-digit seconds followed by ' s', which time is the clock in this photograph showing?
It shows 2 h 12 min
